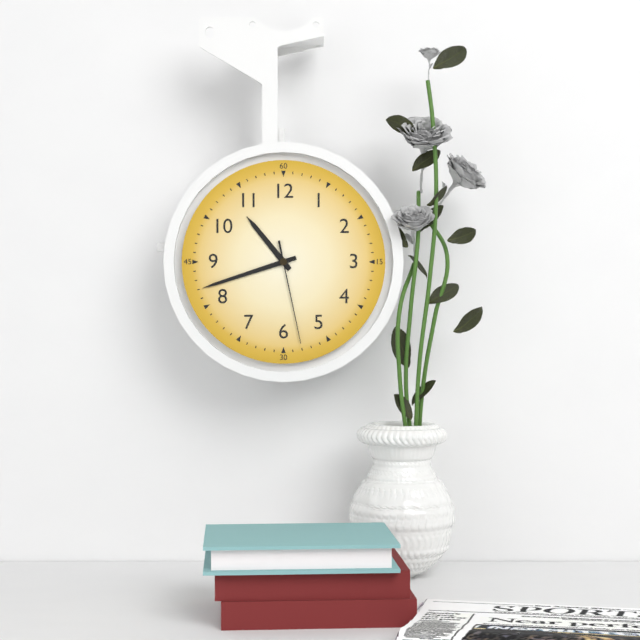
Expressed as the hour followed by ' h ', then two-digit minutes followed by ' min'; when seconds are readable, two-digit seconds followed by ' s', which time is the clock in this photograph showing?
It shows 10 h 42 min 28 s
